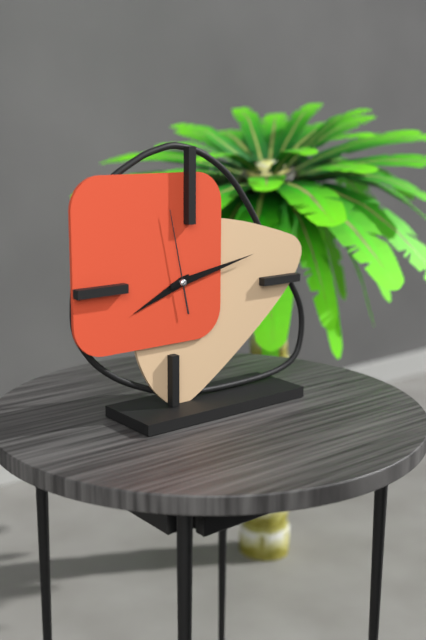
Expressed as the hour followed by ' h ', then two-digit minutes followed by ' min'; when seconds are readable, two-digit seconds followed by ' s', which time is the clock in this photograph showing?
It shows 8 h 13 min 58 s
